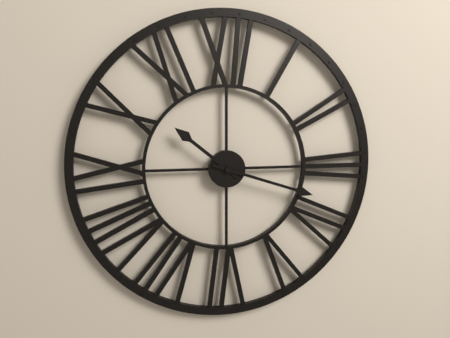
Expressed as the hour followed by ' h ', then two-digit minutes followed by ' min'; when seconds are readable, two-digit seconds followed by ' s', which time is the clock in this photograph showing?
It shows 10 h 18 min
